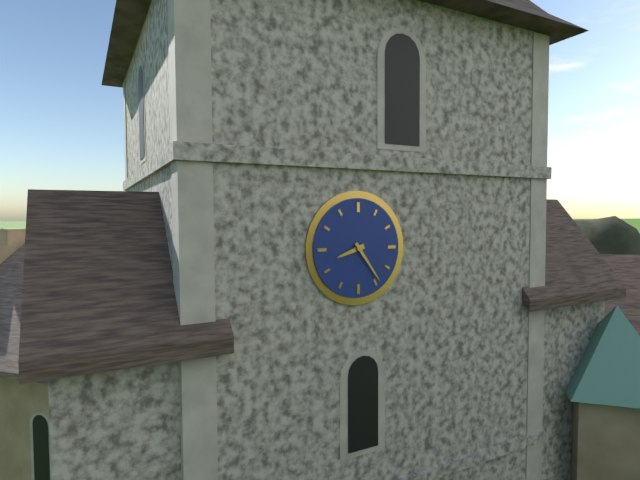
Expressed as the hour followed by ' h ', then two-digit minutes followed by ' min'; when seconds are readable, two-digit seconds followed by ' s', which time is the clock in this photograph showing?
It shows 8 h 24 min
